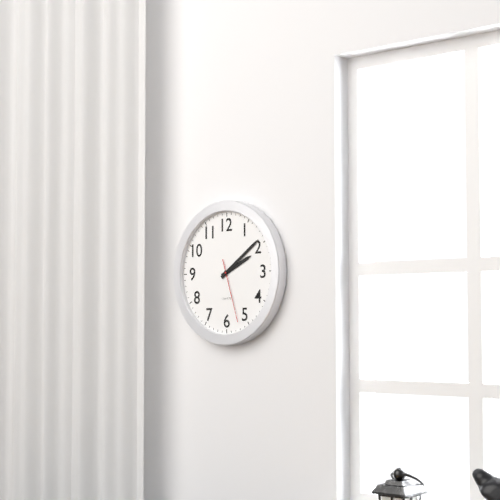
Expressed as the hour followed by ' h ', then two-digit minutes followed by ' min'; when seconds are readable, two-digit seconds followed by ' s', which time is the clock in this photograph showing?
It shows 2 h 09 min 27 s
